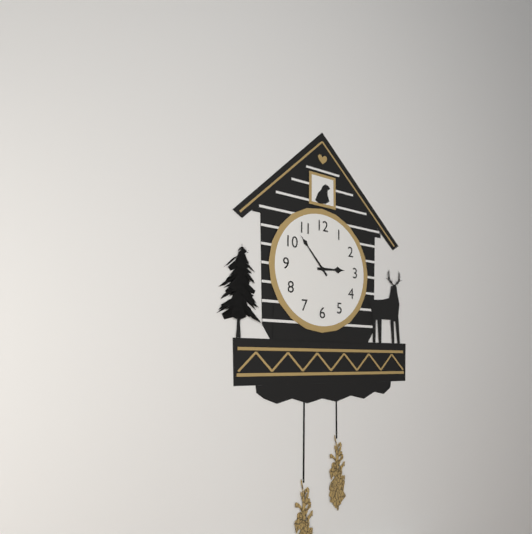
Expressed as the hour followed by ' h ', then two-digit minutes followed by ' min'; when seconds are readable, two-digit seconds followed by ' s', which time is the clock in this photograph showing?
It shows 2 h 53 min
